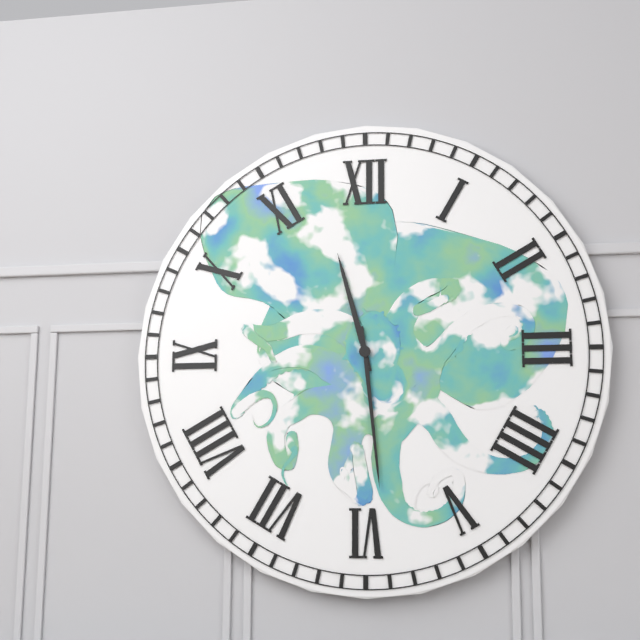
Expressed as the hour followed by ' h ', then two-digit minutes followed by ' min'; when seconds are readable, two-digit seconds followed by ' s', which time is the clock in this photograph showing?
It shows 11 h 29 min
